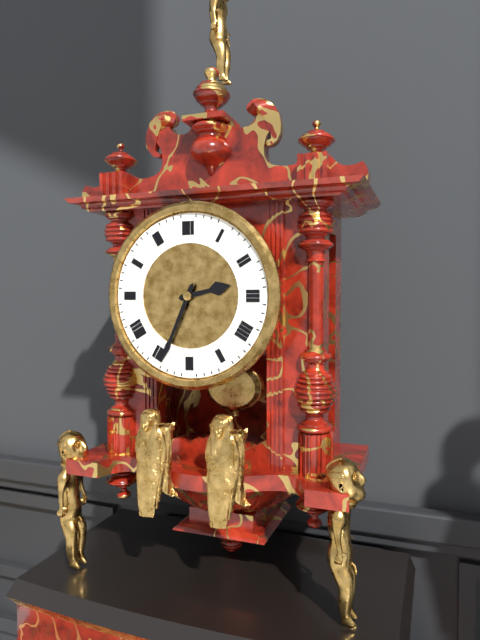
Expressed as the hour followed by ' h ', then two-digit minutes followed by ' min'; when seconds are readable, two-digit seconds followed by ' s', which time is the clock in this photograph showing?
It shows 2 h 34 min
